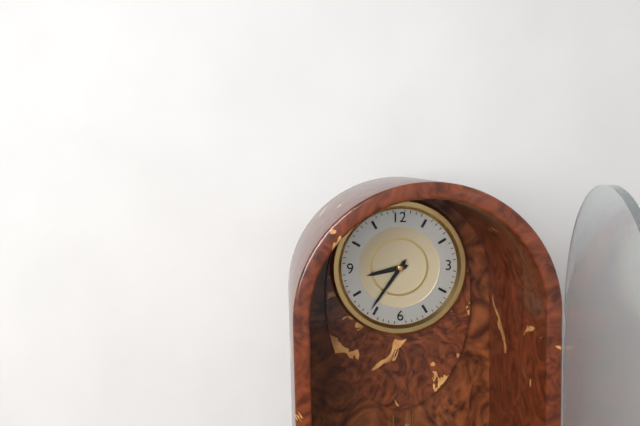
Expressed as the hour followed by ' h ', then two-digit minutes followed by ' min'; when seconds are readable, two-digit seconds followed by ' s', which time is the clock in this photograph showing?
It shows 8 h 36 min
